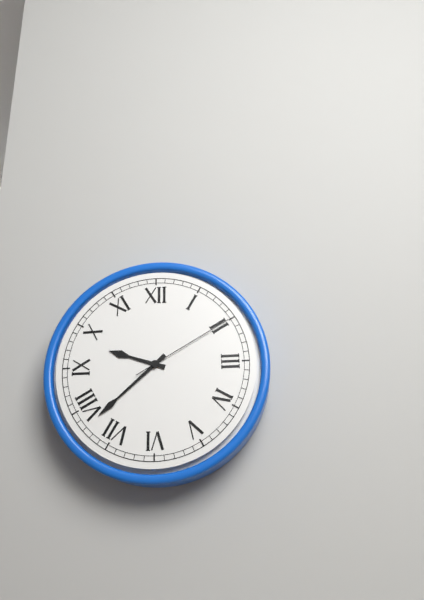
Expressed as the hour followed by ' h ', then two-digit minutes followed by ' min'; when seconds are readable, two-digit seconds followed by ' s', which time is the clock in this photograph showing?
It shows 9 h 38 min 10 s
